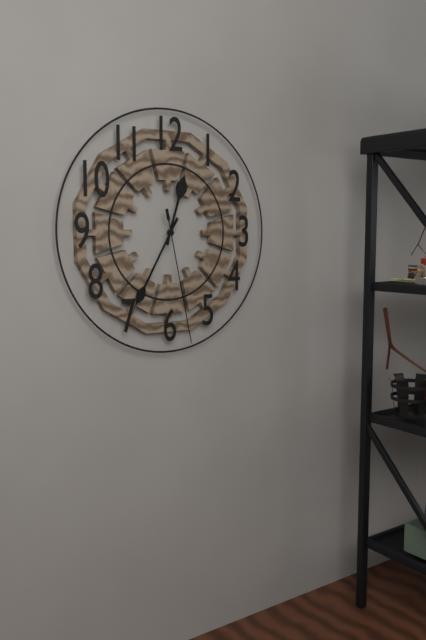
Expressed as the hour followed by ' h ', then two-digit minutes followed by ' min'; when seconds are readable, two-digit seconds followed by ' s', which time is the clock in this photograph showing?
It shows 12 h 35 min 28 s
